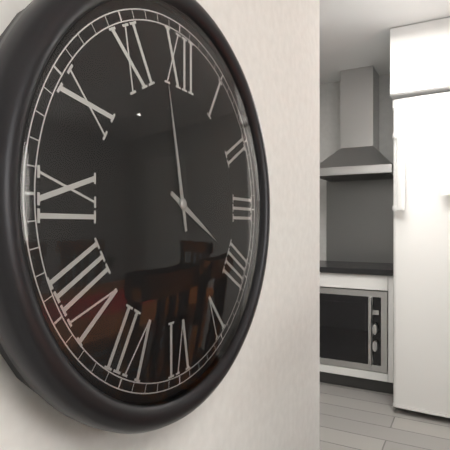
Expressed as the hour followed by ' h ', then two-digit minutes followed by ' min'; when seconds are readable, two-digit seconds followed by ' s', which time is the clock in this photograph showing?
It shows 3 h 58 min
